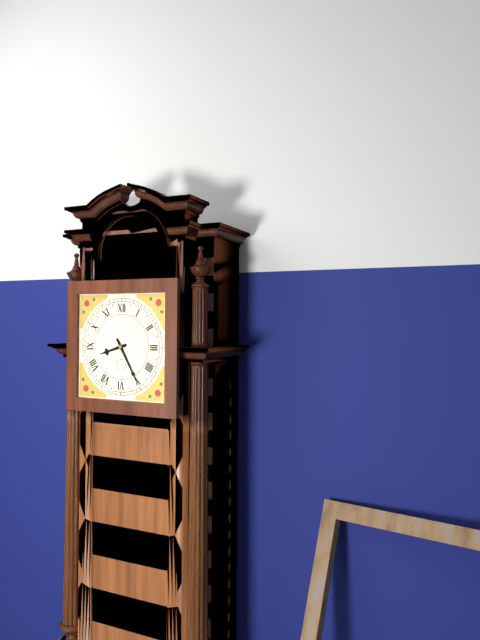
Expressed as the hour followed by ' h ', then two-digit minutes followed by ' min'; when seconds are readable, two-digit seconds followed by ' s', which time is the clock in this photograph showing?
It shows 8 h 25 min
